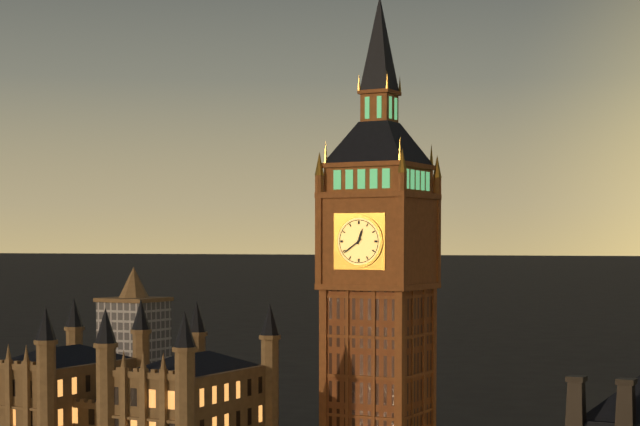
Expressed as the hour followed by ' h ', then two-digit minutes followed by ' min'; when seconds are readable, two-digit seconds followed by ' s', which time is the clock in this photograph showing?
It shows 12 h 39 min
